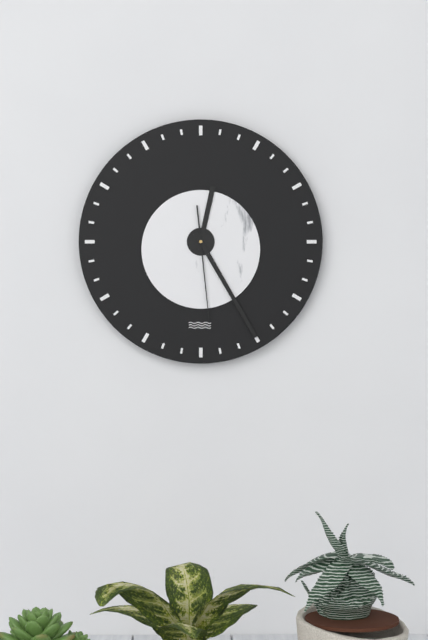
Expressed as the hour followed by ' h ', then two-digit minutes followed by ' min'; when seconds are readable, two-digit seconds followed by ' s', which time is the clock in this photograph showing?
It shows 12 h 25 min 29 s
